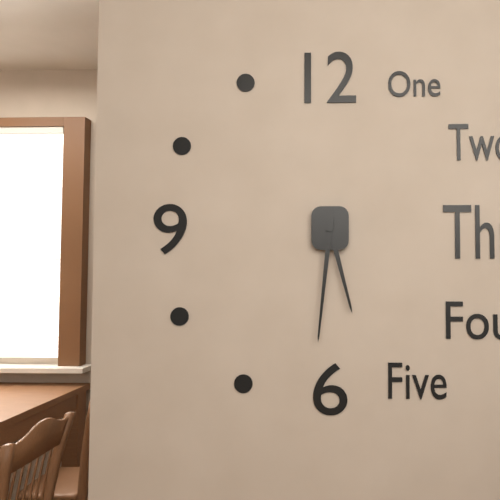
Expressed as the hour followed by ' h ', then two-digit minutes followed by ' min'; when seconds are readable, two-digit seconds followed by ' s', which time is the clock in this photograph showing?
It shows 5 h 31 min
